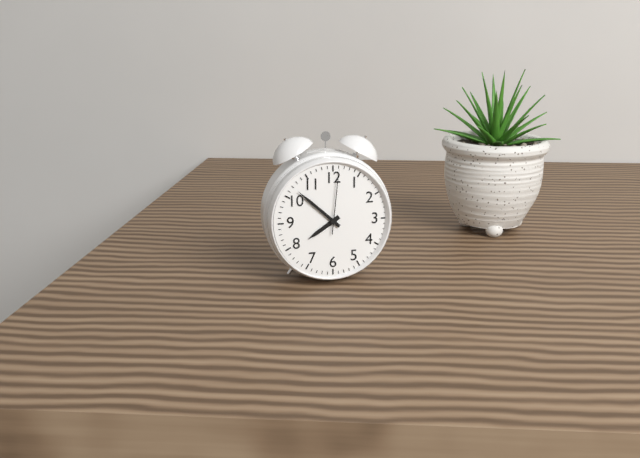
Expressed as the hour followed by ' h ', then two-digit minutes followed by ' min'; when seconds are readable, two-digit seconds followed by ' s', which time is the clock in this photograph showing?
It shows 7 h 52 min 01 s
